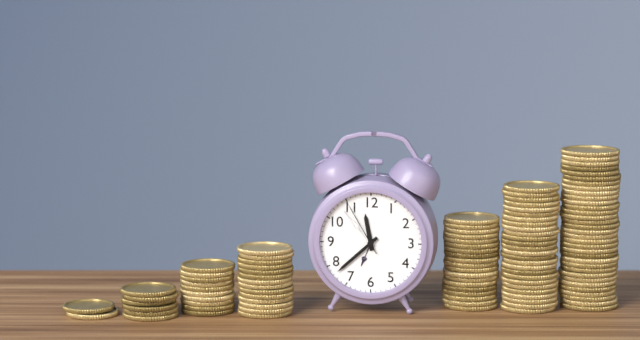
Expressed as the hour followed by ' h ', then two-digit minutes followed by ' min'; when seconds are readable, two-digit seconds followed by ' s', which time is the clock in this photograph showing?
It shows 11 h 38 min 55 s
